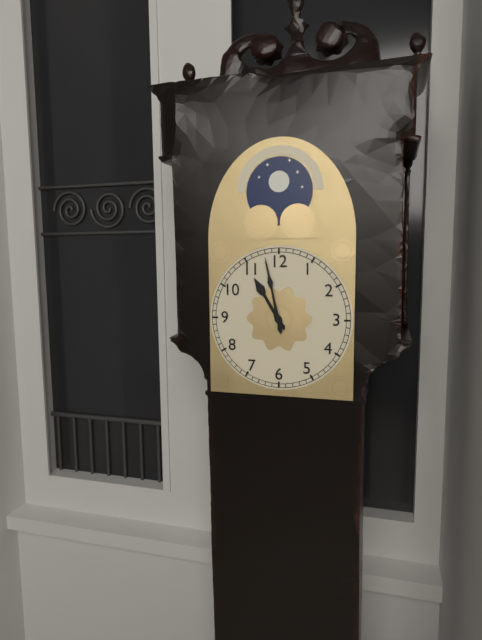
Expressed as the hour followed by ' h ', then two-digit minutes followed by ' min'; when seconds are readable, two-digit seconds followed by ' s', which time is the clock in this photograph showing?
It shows 10 h 58 min
